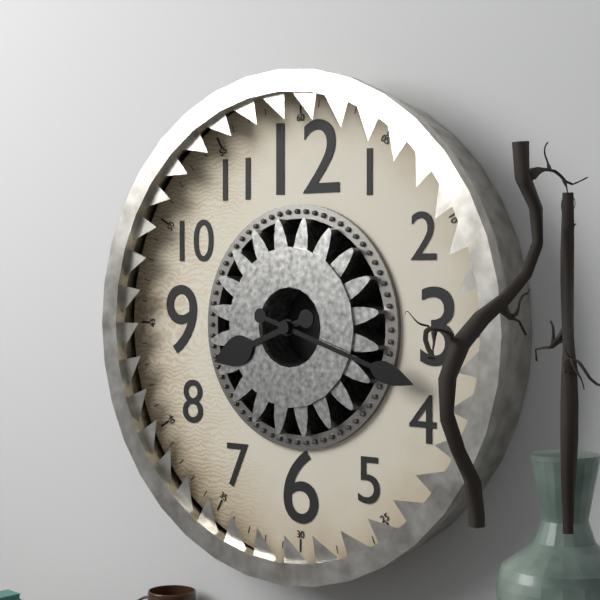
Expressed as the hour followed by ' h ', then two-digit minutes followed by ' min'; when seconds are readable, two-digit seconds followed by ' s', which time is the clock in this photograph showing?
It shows 8 h 18 min
